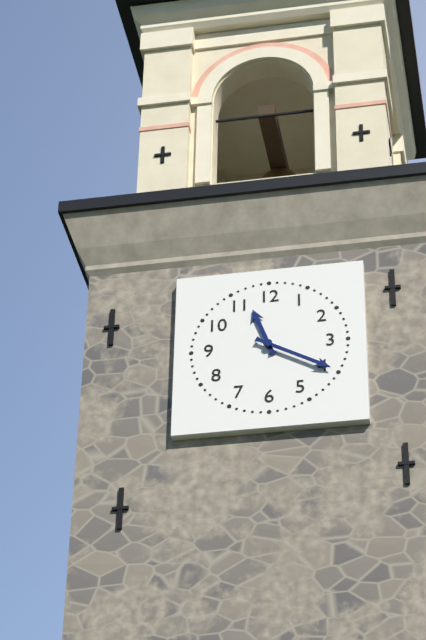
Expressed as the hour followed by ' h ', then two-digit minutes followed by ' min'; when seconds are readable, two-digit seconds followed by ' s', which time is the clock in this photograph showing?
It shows 11 h 20 min
